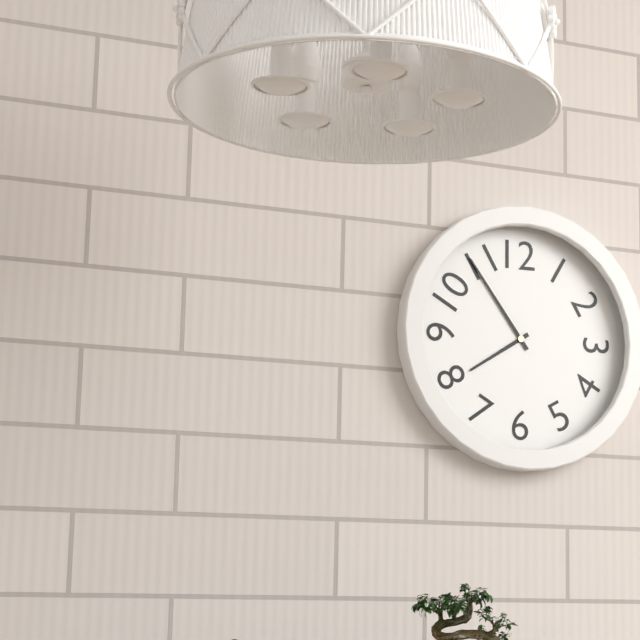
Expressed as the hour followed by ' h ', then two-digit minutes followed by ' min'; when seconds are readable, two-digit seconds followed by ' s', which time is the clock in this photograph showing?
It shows 7 h 54 min
